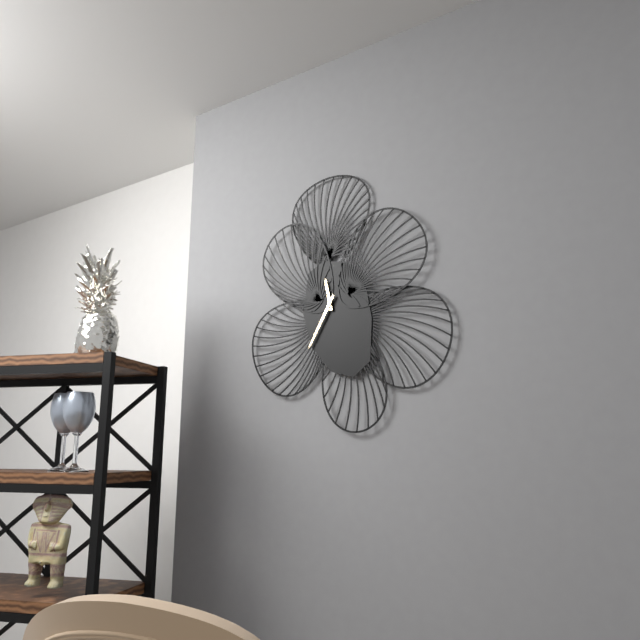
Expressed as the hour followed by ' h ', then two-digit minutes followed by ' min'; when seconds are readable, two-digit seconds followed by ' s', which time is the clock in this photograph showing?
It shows 11 h 35 min
